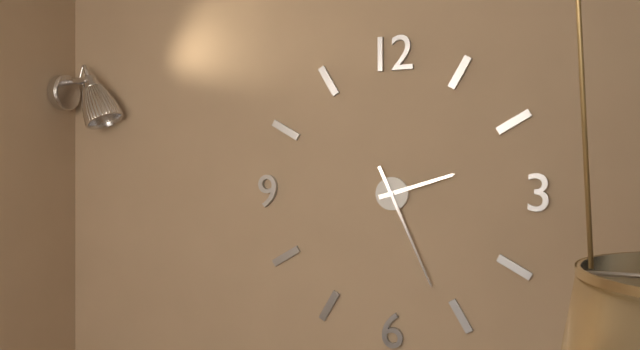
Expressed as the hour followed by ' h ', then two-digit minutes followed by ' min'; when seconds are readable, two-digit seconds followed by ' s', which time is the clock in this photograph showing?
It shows 2 h 26 min
